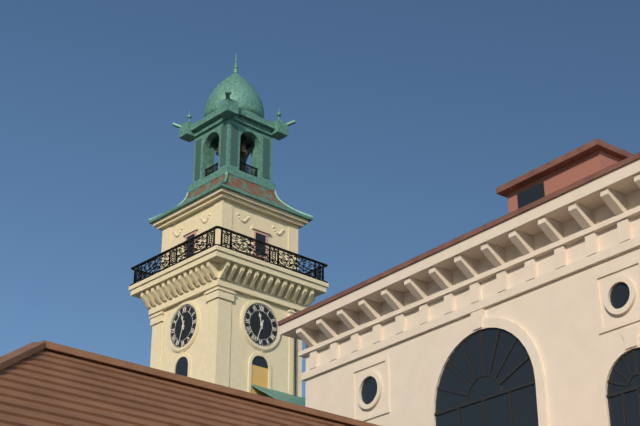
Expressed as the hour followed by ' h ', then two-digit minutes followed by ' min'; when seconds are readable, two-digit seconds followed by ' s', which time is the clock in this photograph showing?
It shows 11 h 33 min
